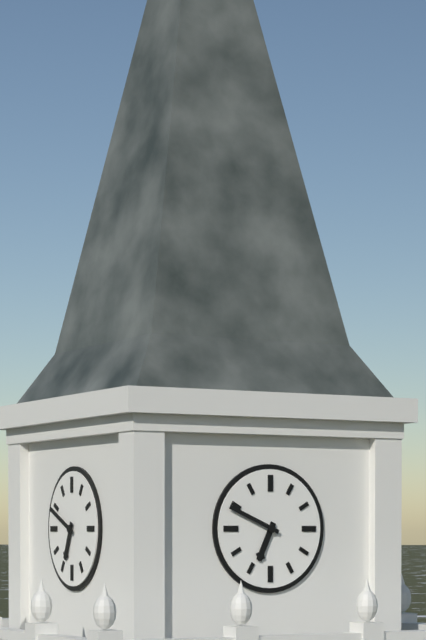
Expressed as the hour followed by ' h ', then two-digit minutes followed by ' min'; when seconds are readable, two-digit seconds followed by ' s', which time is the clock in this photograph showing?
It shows 6 h 49 min
